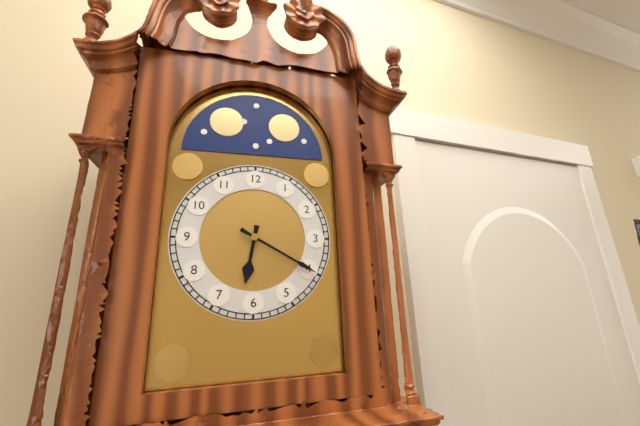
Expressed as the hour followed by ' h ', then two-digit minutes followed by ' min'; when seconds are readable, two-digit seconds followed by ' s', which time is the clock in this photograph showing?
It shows 6 h 20 min
